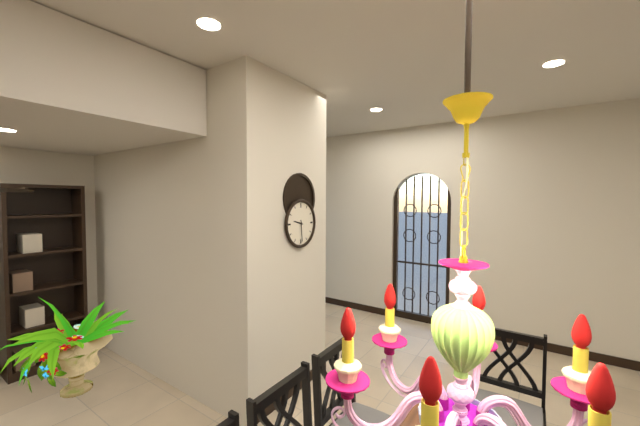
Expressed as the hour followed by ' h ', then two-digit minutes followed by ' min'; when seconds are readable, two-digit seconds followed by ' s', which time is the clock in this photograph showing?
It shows 9 h 29 min
